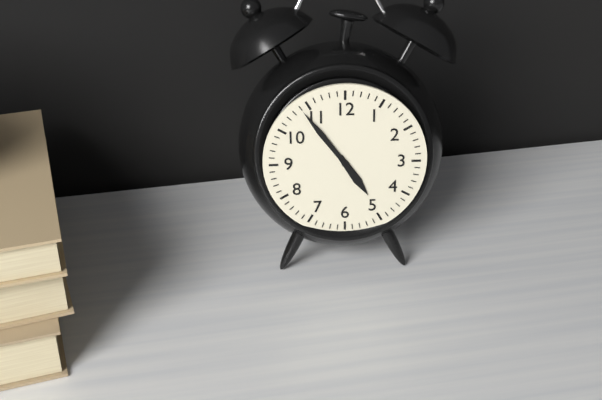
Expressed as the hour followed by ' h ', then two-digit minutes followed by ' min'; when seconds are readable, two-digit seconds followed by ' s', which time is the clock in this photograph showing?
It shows 4 h 54 min
